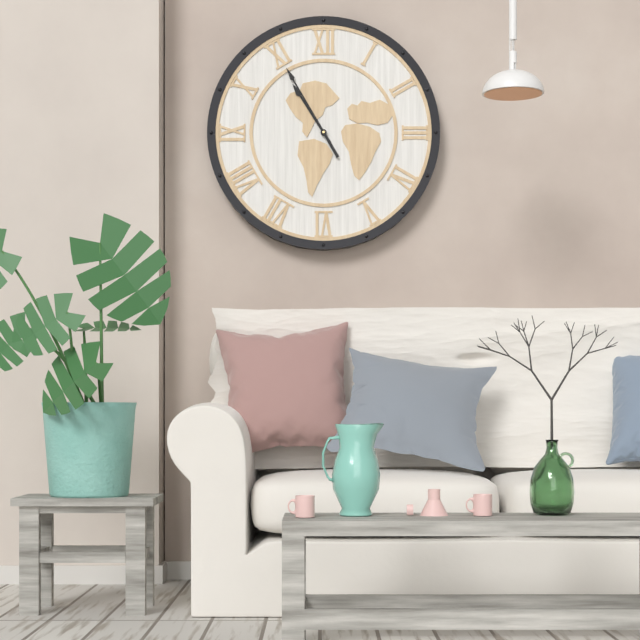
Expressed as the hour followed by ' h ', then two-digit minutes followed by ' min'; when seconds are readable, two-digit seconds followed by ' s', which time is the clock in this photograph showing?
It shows 10 h 55 min
